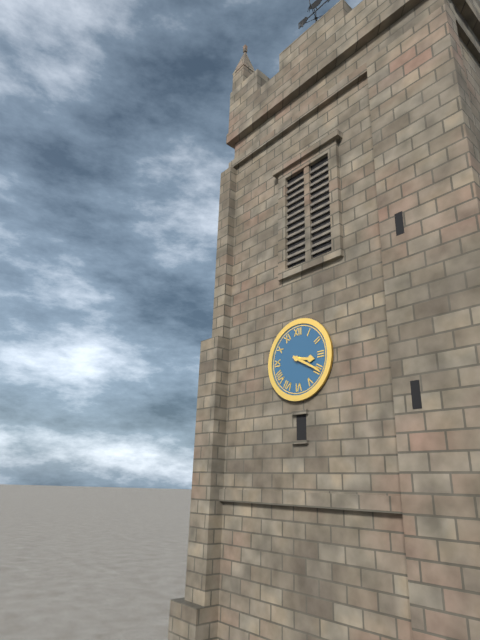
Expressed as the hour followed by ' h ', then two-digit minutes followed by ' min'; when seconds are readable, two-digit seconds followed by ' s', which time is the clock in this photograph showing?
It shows 3 h 20 min
